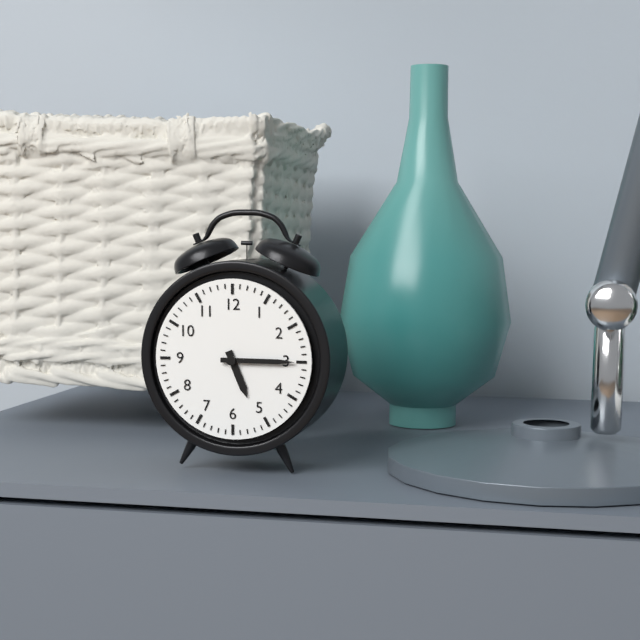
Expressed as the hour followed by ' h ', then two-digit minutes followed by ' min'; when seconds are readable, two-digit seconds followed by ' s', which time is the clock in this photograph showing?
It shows 5 h 15 min
